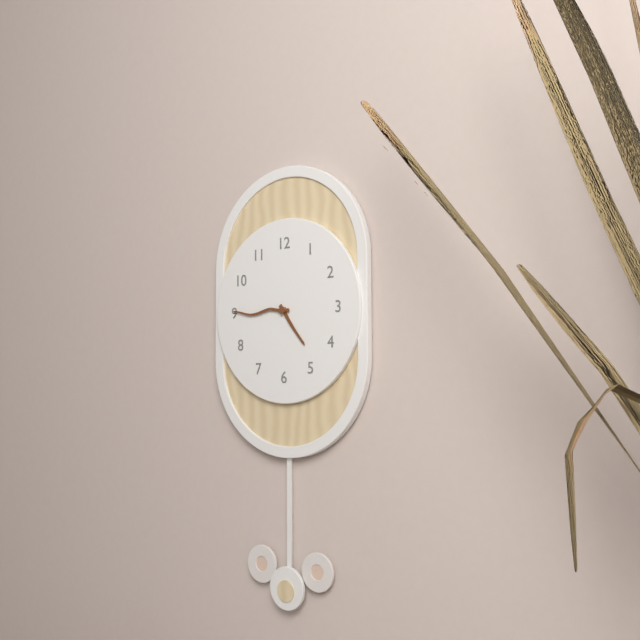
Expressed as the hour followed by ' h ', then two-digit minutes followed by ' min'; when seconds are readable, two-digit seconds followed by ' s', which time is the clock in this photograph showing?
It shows 4 h 45 min
